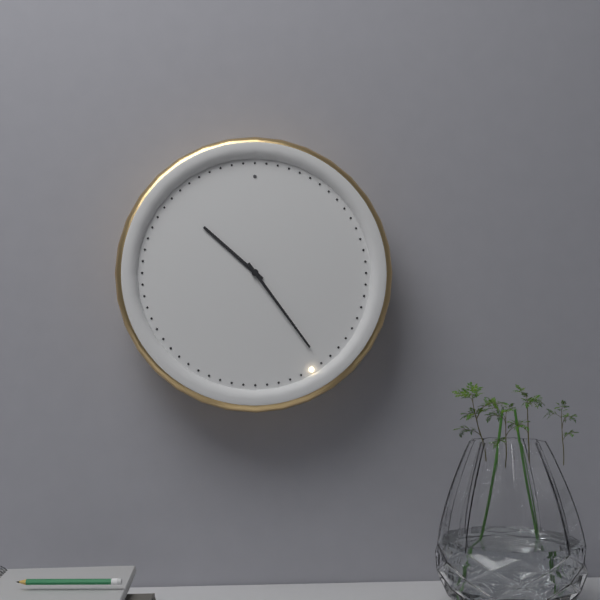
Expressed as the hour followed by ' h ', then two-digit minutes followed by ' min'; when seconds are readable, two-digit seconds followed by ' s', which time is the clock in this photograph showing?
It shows 10 h 24 min
